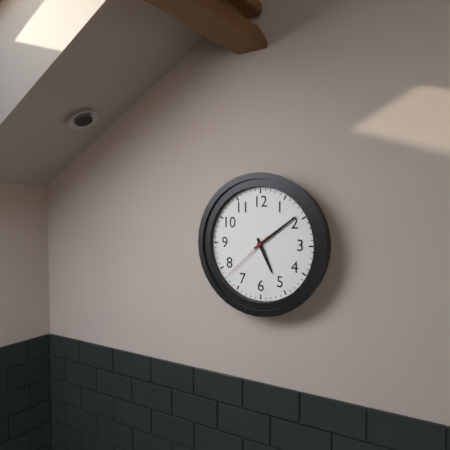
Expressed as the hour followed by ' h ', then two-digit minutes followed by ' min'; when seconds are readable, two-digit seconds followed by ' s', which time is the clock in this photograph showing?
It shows 5 h 09 min 38 s
